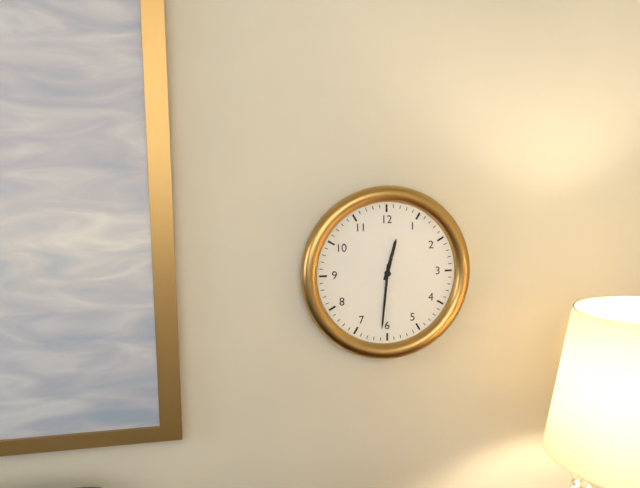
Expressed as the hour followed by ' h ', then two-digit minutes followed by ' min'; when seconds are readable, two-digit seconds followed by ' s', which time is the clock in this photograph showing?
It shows 12 h 31 min
